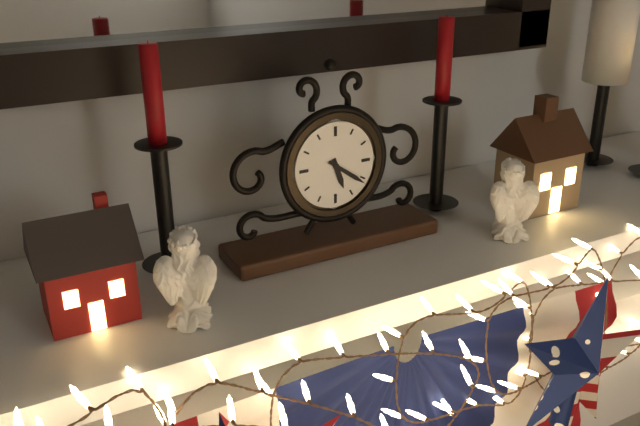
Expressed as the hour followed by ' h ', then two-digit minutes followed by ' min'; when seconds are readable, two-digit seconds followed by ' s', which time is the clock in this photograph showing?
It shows 5 h 21 min
